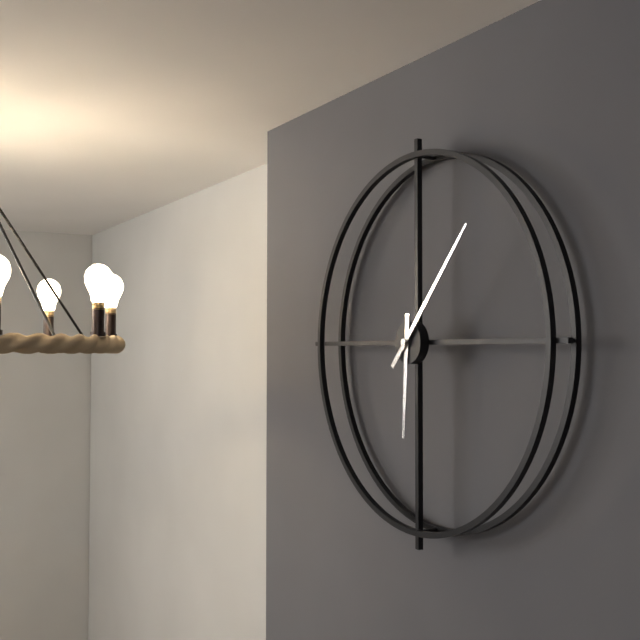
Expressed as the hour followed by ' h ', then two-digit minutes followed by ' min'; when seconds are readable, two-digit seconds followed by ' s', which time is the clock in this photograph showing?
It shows 6 h 07 min
